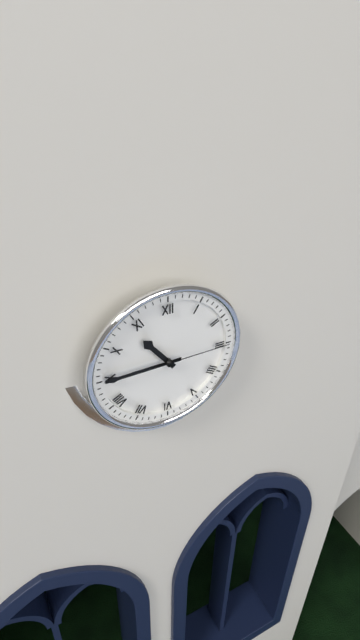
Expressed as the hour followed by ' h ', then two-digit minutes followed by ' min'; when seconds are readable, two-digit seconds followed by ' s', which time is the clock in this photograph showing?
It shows 10 h 45 min 15 s
